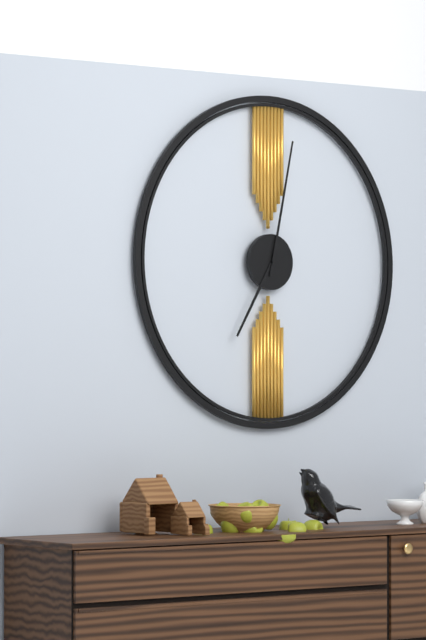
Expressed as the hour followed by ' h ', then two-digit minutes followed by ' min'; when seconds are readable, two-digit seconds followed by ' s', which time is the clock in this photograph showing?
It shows 7 h 02 min
